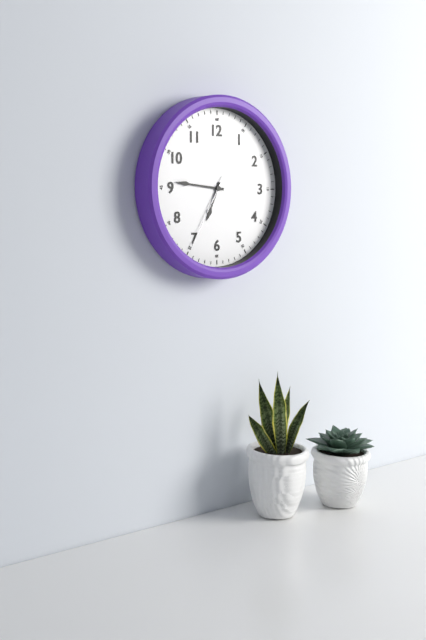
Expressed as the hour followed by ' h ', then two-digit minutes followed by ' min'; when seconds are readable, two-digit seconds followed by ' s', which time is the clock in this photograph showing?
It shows 6 h 46 min 35 s
